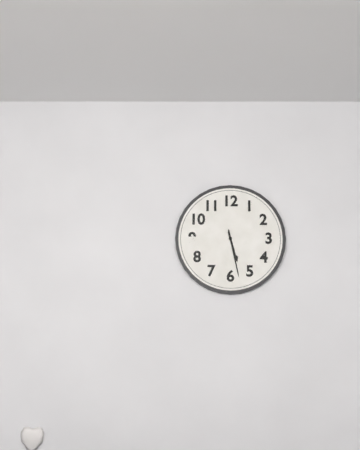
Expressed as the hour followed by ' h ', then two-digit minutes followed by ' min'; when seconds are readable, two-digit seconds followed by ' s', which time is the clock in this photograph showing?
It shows 5 h 28 min
